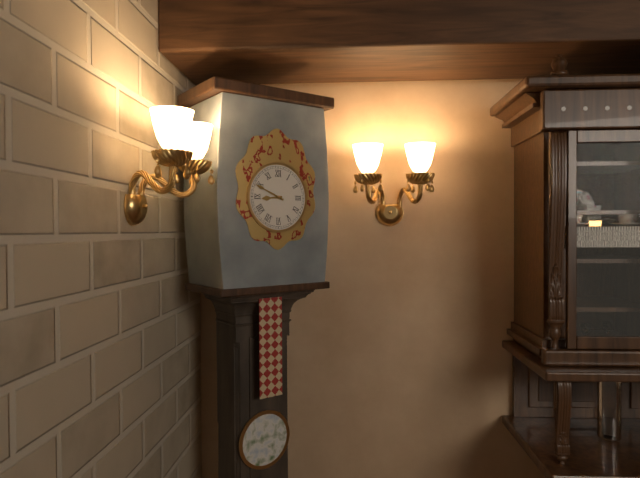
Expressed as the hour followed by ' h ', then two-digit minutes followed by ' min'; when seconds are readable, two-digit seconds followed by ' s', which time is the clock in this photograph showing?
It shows 8 h 49 min
